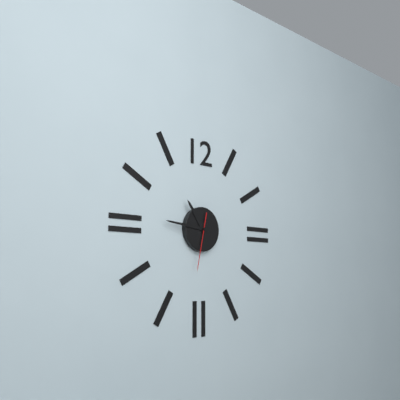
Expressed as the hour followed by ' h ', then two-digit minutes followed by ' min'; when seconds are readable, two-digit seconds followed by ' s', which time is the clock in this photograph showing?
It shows 10 h 46 min 32 s
